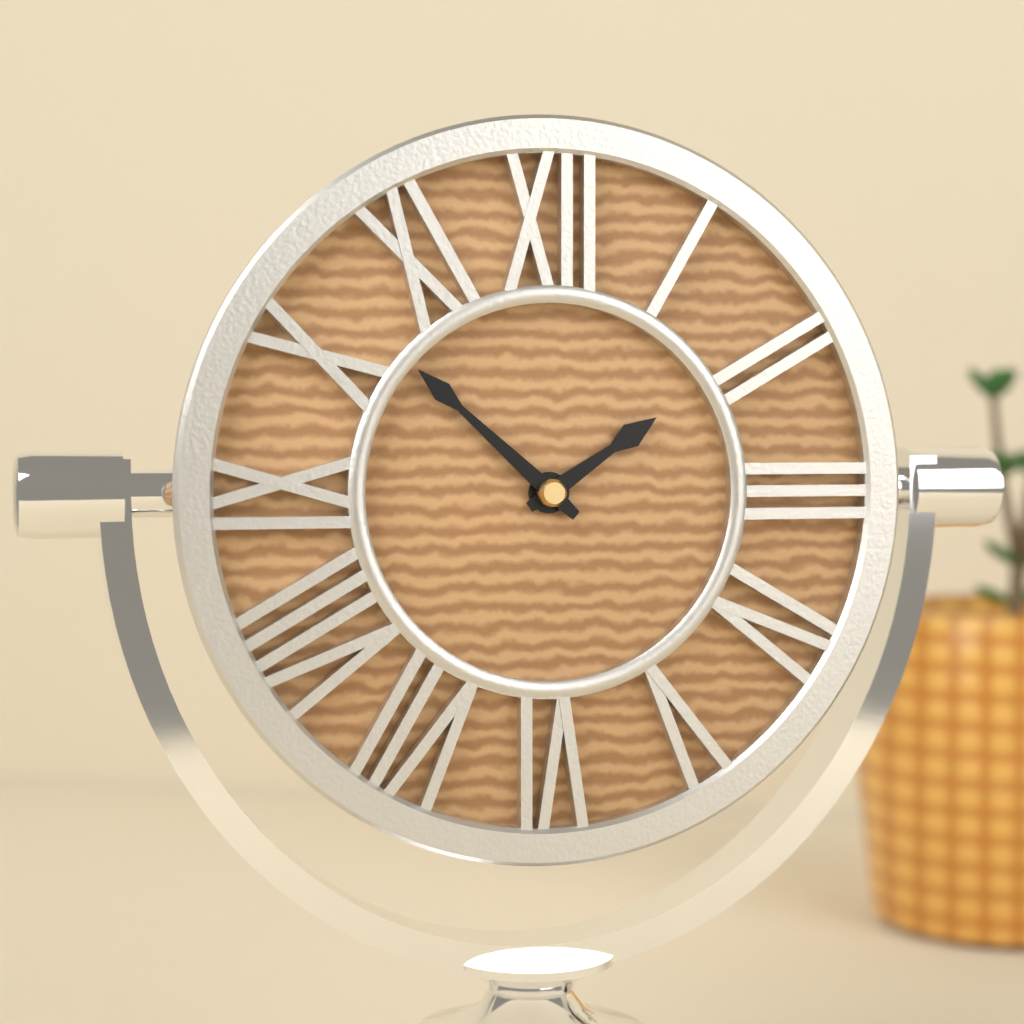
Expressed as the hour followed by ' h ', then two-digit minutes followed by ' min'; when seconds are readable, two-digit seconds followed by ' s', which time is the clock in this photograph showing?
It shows 1 h 52 min
